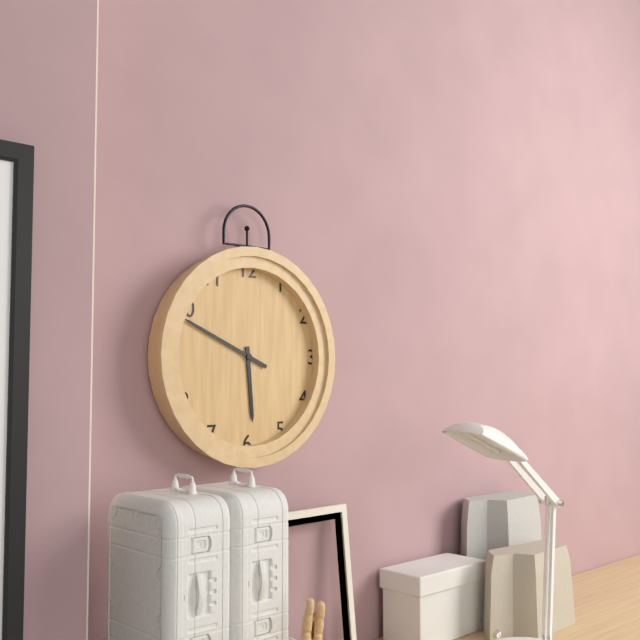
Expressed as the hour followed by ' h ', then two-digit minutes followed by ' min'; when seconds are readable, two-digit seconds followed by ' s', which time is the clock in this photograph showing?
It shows 5 h 49 min
